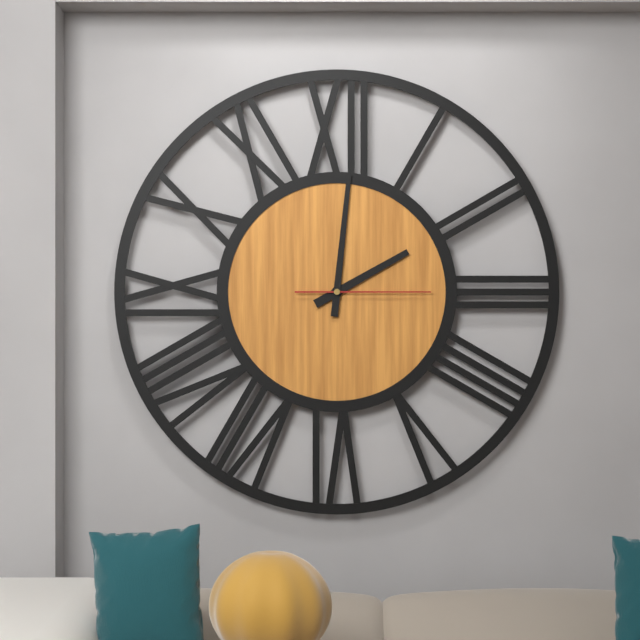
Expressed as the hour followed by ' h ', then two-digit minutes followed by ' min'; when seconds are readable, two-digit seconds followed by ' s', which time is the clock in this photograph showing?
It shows 2 h 01 min 15 s
